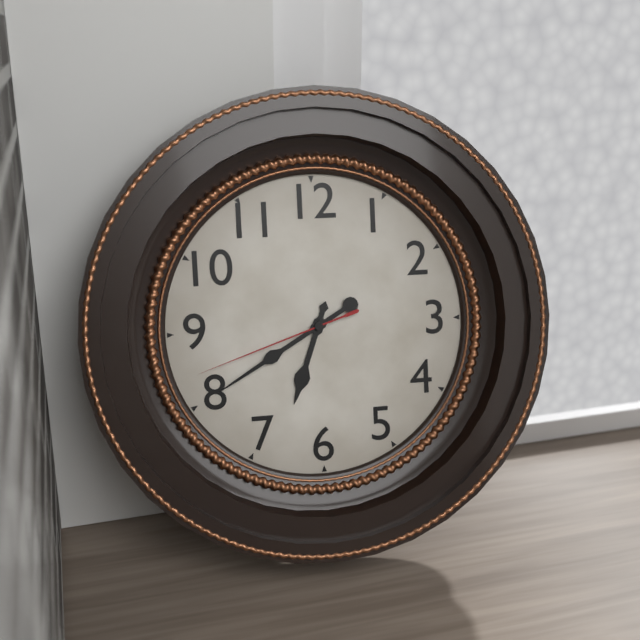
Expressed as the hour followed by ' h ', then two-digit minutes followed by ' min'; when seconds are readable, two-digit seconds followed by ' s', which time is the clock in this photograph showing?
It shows 6 h 40 min 42 s
